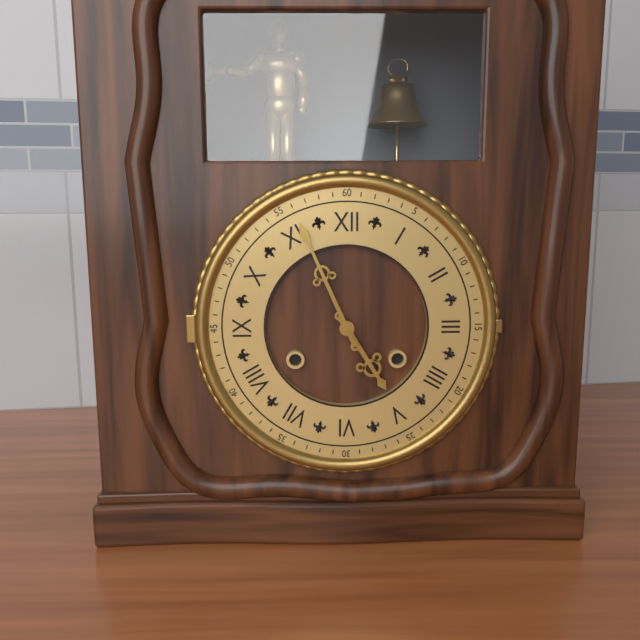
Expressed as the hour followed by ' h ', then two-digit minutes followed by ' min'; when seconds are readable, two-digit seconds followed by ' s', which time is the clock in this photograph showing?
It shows 4 h 56 min
